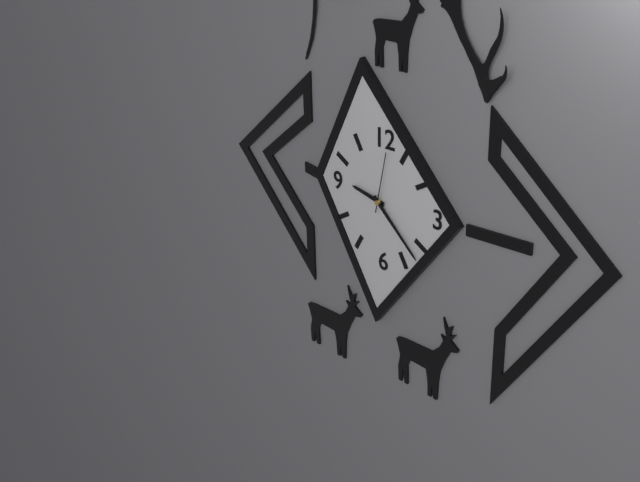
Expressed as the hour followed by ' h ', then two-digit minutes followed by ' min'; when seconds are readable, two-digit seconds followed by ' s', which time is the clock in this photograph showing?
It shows 9 h 22 min 02 s
